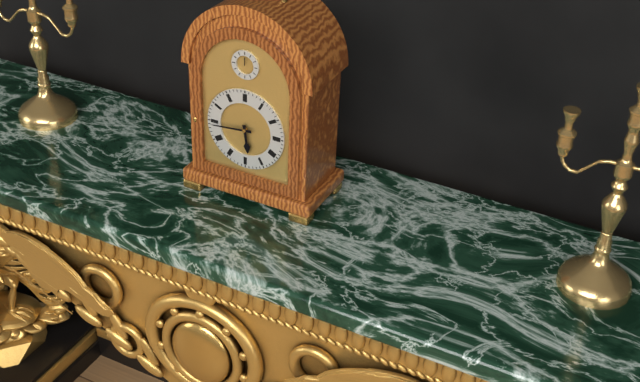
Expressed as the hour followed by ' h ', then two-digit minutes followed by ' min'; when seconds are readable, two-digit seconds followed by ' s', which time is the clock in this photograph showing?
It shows 5 h 44 min
